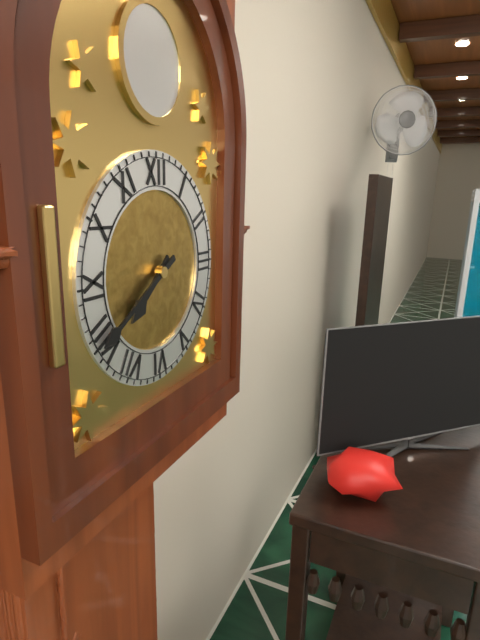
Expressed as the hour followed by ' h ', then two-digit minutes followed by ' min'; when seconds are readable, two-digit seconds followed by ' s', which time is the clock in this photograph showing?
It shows 7 h 40 min
